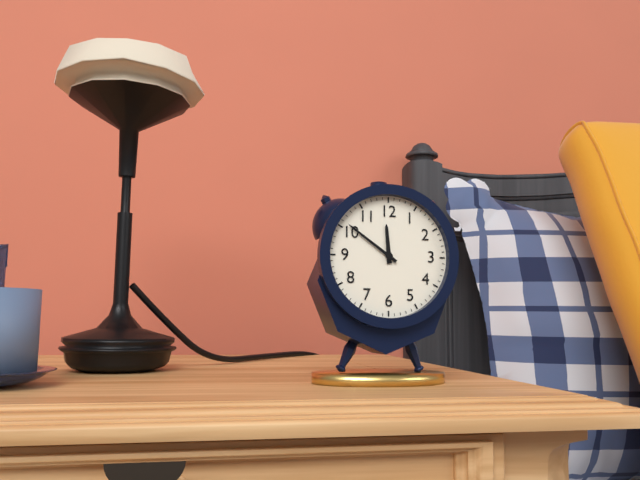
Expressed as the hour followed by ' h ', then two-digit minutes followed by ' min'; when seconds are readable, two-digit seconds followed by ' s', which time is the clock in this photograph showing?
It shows 11 h 51 min
